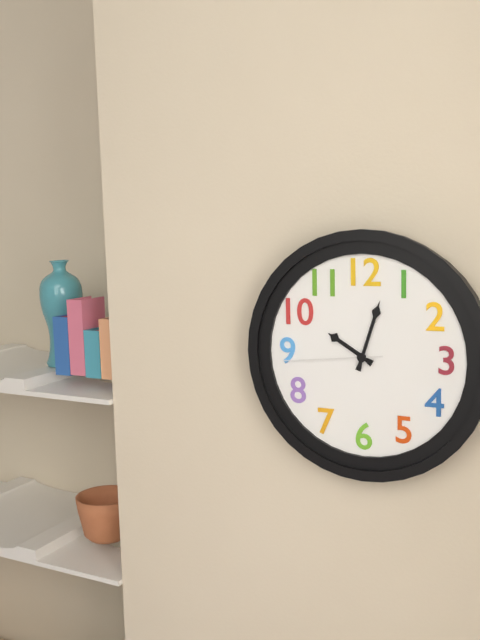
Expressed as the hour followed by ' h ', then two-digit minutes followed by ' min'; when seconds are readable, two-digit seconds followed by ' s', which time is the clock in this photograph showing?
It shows 10 h 03 min 44 s
